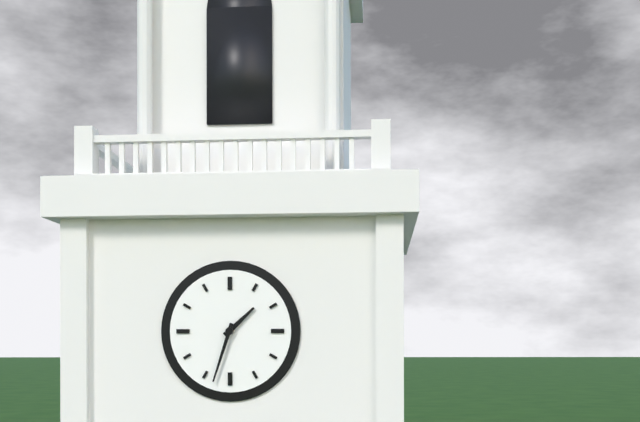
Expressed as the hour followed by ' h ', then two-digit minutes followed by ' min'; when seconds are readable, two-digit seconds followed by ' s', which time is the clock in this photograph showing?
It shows 1 h 33 min
